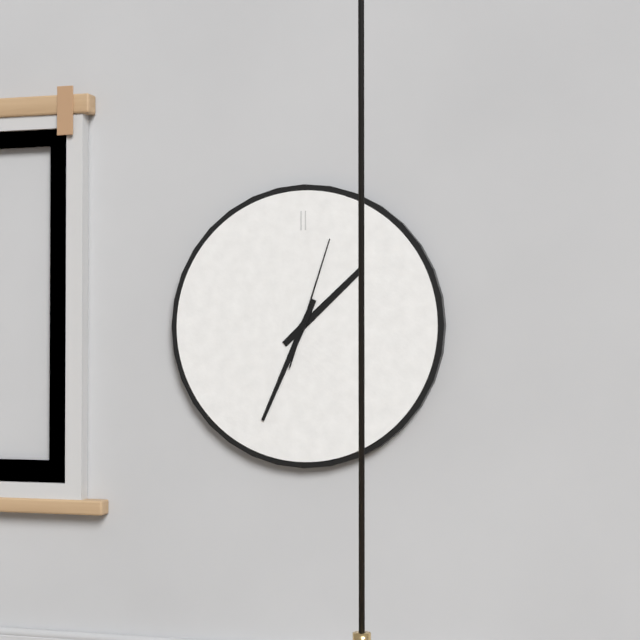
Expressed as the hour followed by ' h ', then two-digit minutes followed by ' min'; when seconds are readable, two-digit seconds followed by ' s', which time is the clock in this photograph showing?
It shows 1 h 34 min 03 s
